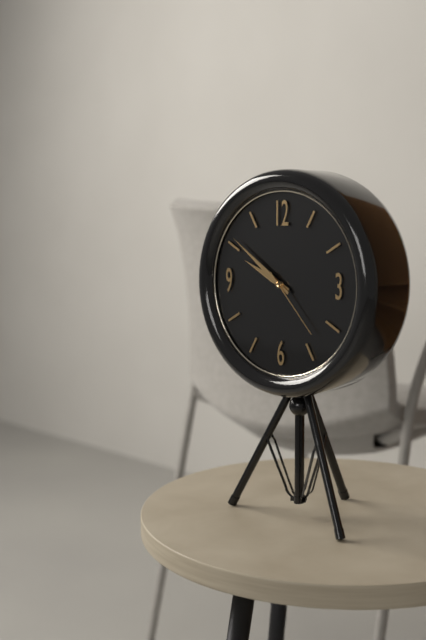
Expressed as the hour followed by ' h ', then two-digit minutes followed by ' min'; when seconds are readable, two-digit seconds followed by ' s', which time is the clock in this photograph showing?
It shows 9 h 51 min 23 s
